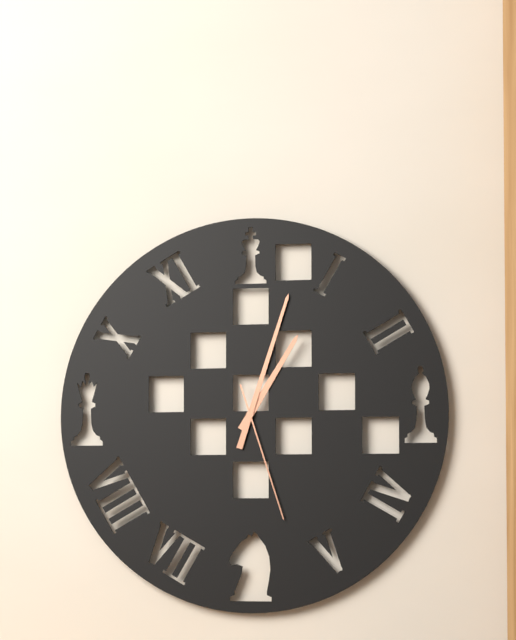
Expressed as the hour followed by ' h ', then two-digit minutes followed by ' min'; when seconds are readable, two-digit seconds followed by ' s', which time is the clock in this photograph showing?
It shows 1 h 03 min 27 s
